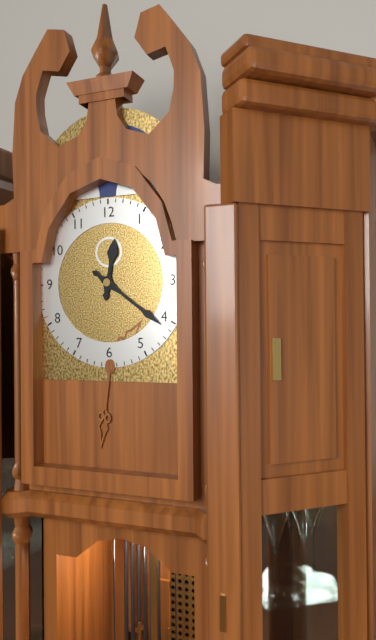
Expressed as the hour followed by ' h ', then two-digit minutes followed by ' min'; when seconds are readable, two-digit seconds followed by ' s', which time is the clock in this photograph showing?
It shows 12 h 21 min
